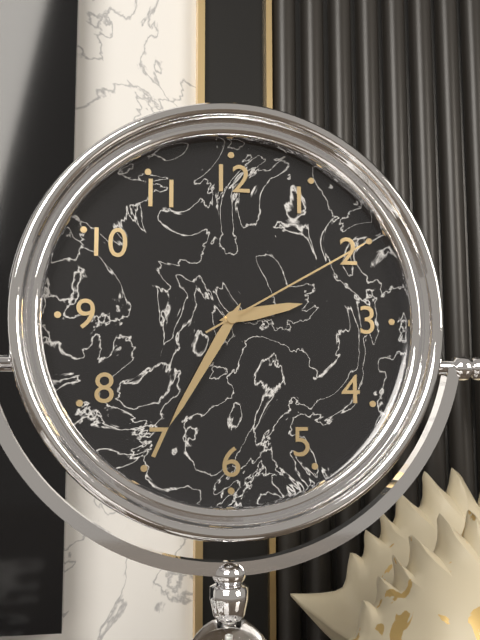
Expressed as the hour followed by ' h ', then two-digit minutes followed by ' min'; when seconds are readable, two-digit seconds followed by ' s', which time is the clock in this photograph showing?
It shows 2 h 35 min 10 s
